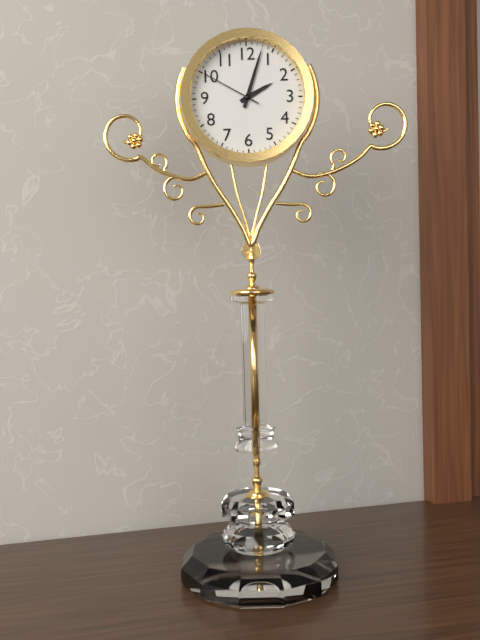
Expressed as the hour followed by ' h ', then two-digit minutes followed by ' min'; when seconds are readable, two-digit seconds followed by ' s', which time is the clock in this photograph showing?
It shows 2 h 03 min 50 s
